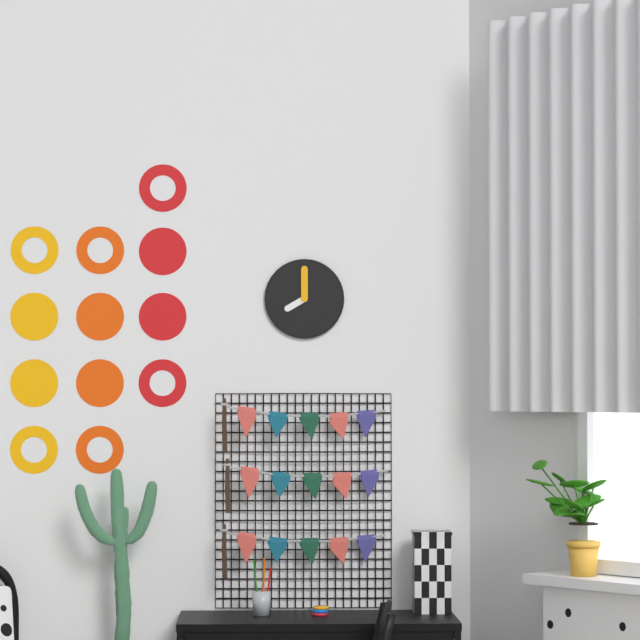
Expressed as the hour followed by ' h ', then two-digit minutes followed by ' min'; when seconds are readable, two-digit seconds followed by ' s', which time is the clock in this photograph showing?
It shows 8 h 00 min
